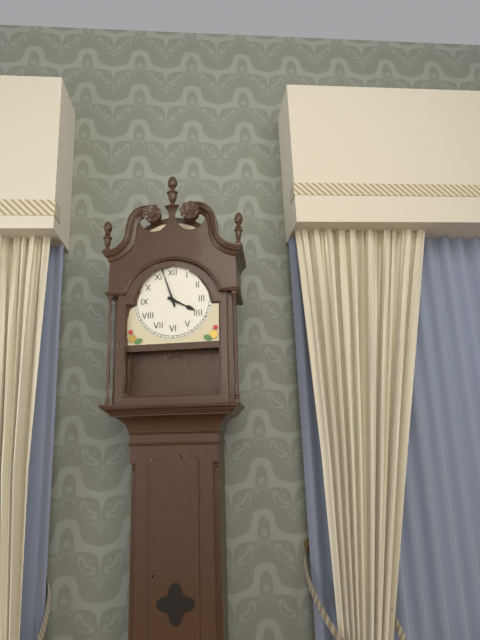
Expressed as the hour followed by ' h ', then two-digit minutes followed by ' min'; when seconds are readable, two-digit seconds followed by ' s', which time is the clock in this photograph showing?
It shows 3 h 57 min
